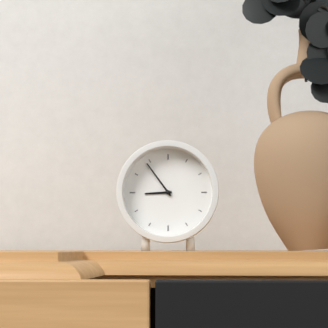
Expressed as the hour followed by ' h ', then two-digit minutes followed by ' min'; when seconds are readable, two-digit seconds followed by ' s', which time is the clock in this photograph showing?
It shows 8 h 54 min
